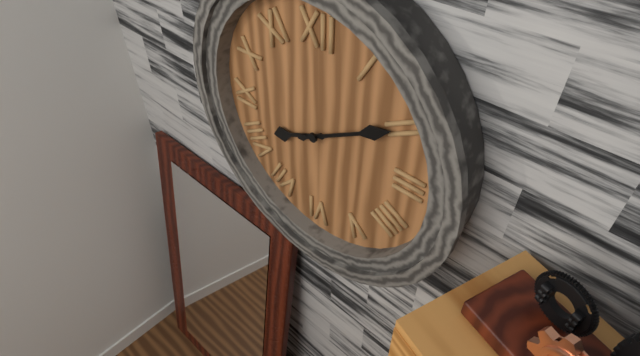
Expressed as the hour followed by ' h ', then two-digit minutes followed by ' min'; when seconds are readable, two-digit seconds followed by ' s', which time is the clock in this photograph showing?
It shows 8 h 10 min
